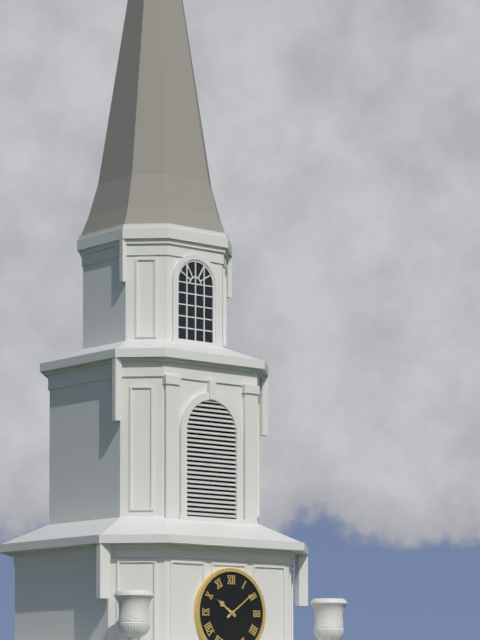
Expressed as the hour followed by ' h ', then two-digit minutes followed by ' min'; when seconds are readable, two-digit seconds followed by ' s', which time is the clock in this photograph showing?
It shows 10 h 09 min
